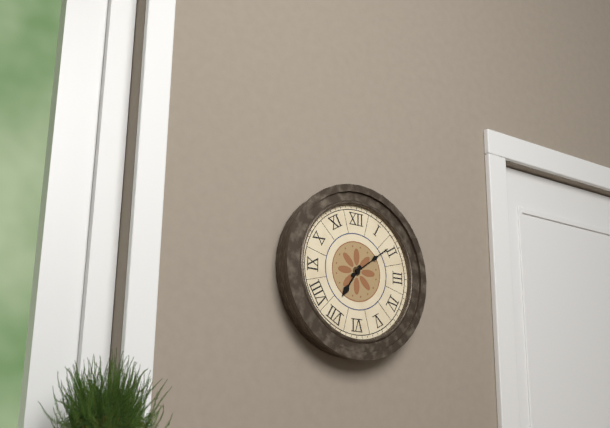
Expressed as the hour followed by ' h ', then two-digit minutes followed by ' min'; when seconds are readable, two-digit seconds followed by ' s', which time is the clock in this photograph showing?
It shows 7 h 09 min
